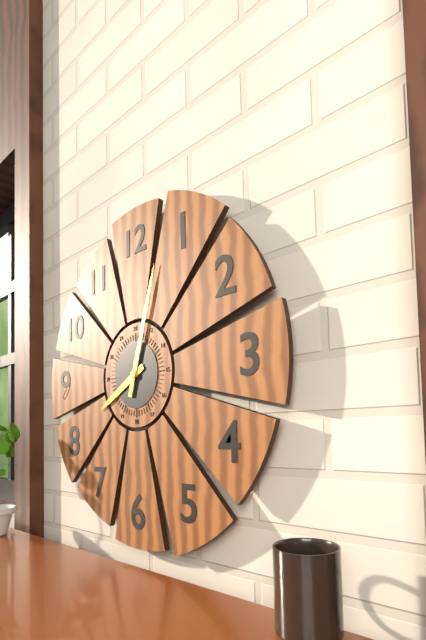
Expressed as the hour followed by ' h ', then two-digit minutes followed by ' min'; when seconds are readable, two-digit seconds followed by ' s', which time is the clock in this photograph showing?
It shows 8 h 03 min
